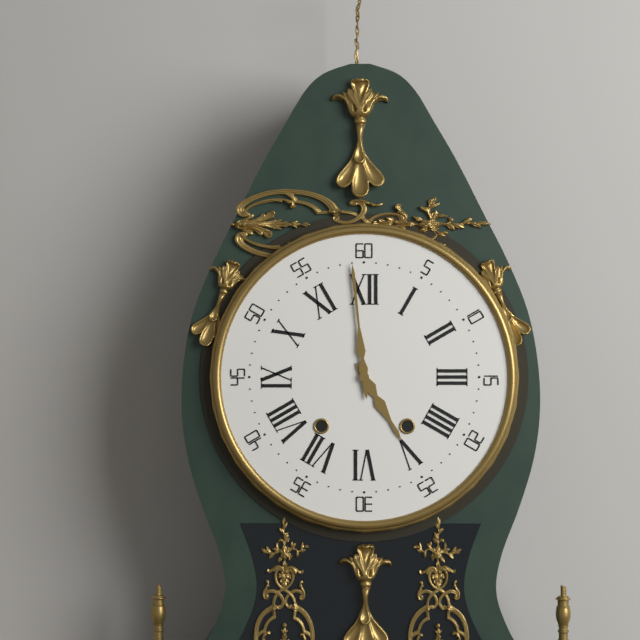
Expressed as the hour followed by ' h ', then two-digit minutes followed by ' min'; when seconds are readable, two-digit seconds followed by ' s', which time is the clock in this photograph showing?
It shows 4 h 59 min
